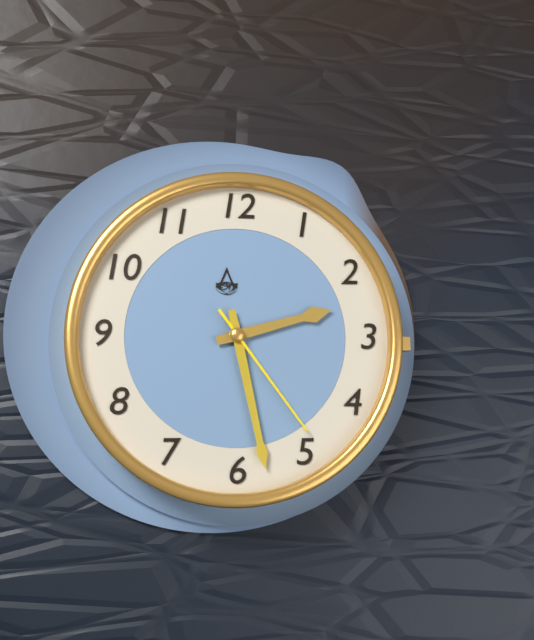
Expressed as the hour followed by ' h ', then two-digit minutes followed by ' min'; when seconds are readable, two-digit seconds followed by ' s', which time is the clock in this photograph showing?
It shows 2 h 28 min 24 s
